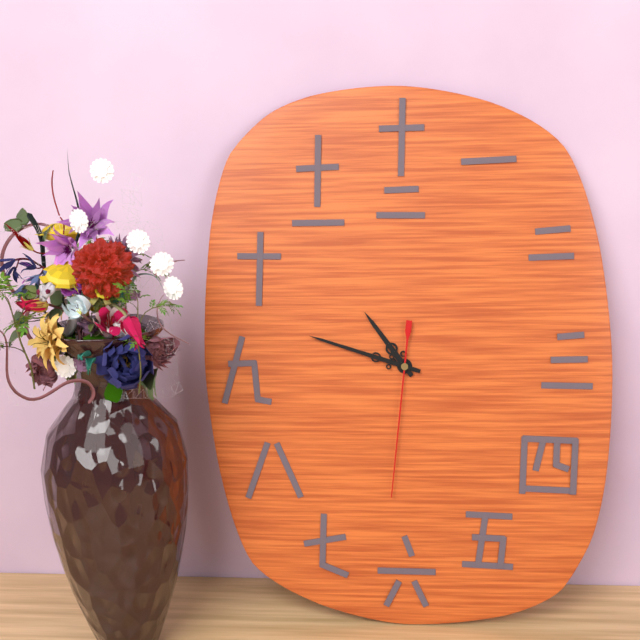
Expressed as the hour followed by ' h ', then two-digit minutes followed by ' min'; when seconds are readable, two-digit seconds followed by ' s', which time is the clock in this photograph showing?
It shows 10 h 48 min 31 s
